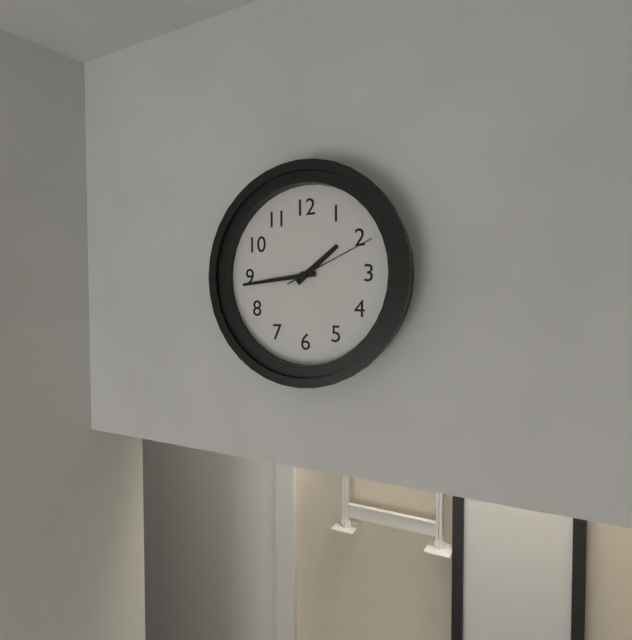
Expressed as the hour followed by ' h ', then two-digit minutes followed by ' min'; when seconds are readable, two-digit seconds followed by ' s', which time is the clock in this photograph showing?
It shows 1 h 44 min 11 s
